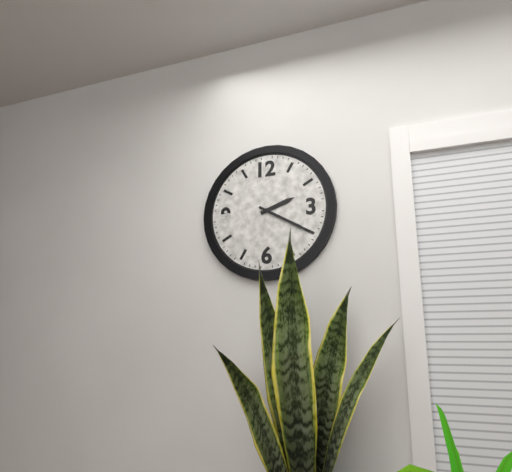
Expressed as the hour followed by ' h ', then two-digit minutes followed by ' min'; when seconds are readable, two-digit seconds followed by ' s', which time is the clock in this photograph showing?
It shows 2 h 20 min
